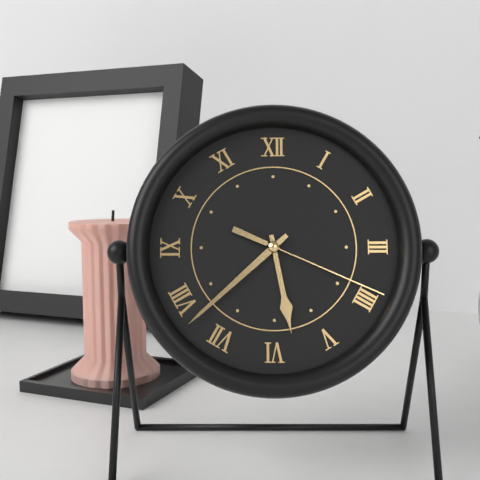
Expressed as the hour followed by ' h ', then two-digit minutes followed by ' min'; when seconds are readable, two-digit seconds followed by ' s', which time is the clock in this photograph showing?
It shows 5 h 38 min 19 s
